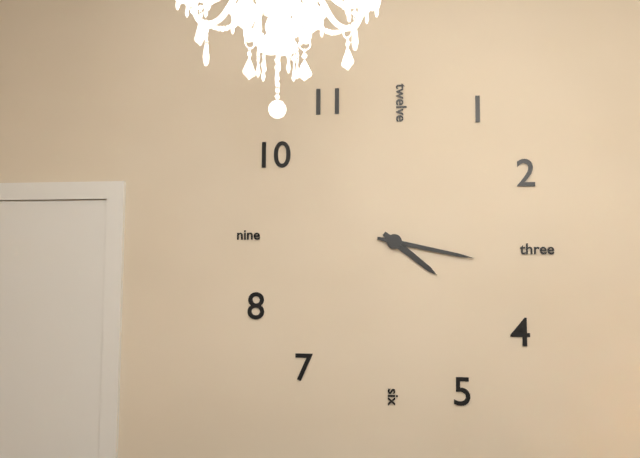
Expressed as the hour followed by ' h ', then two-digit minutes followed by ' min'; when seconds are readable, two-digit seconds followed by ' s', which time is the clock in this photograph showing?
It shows 4 h 17 min
